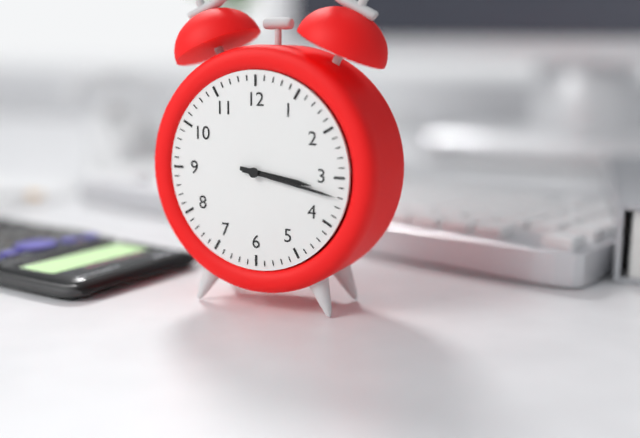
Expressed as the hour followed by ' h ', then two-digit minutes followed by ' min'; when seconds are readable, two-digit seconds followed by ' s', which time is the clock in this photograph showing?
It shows 3 h 17 min
